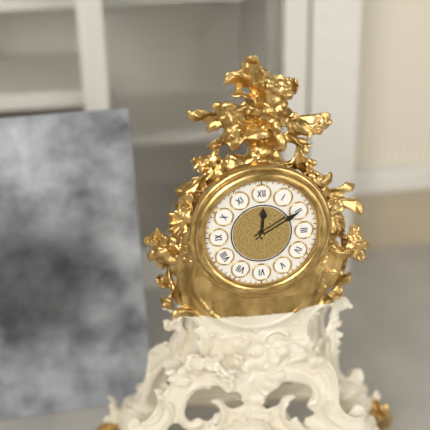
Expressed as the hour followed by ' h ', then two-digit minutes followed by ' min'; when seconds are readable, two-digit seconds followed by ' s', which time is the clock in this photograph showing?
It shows 12 h 10 min
